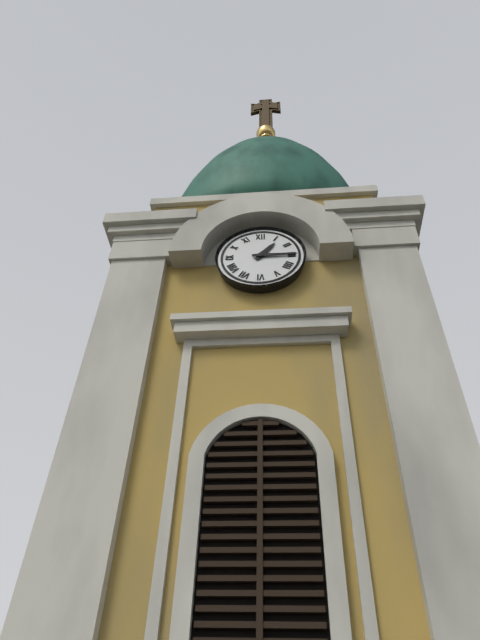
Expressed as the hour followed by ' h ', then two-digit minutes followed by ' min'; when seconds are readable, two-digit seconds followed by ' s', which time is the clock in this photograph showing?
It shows 1 h 15 min
